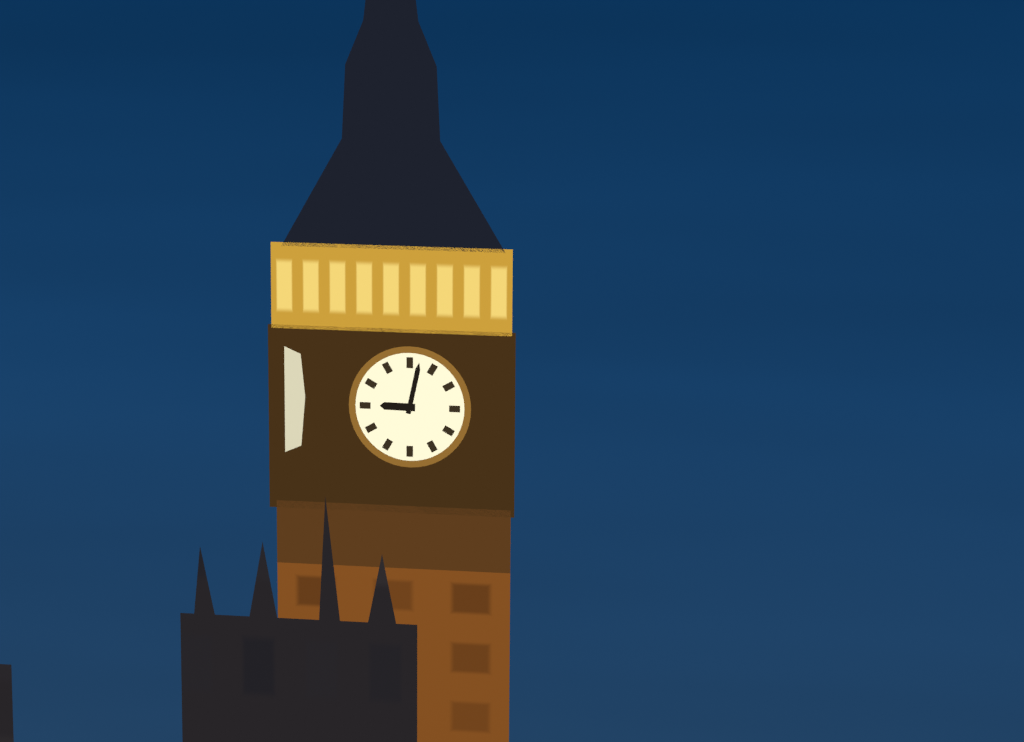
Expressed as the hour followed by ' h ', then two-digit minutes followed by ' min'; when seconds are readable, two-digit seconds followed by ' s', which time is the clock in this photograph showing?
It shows 9 h 02 min
